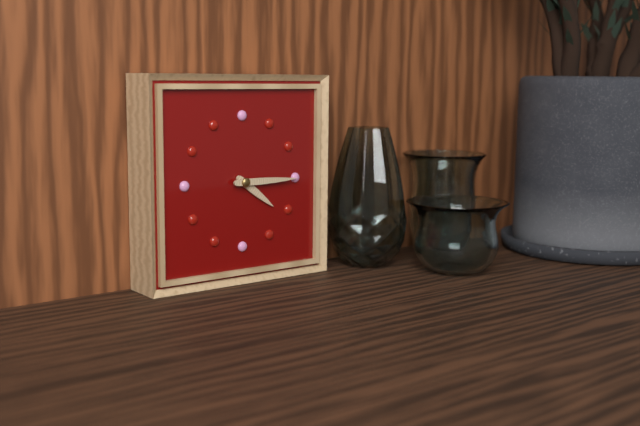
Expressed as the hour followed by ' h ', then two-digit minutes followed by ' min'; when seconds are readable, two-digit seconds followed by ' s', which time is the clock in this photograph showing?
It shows 4 h 15 min
